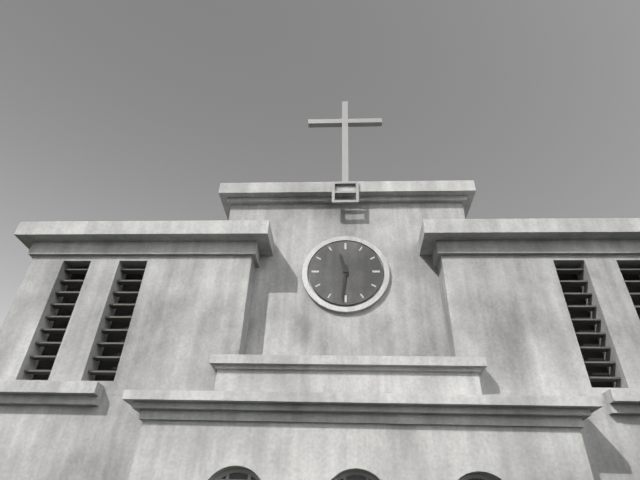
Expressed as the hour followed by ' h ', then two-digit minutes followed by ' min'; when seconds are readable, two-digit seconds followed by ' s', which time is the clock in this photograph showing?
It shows 11 h 31 min
